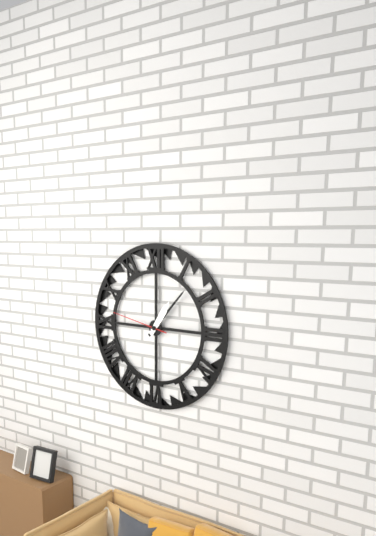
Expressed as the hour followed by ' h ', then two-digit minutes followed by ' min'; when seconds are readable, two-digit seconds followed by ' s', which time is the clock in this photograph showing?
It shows 1 h 07 min 47 s
